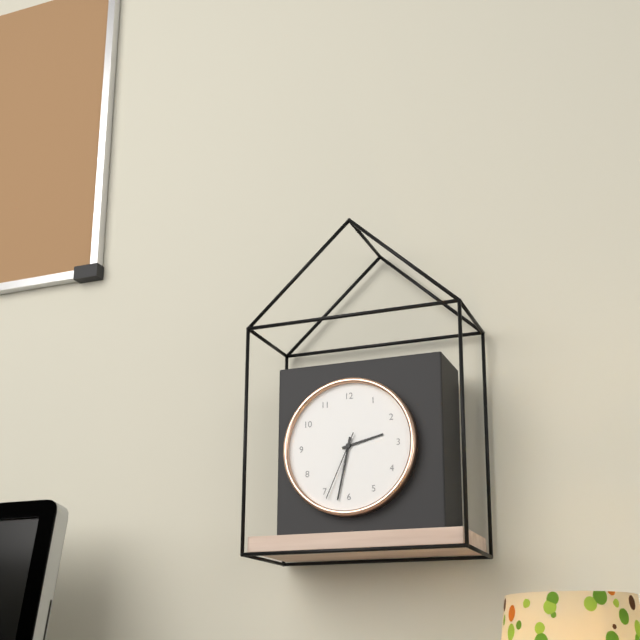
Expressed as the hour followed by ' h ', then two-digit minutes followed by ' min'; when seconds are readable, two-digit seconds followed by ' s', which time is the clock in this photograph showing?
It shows 2 h 32 min 34 s
